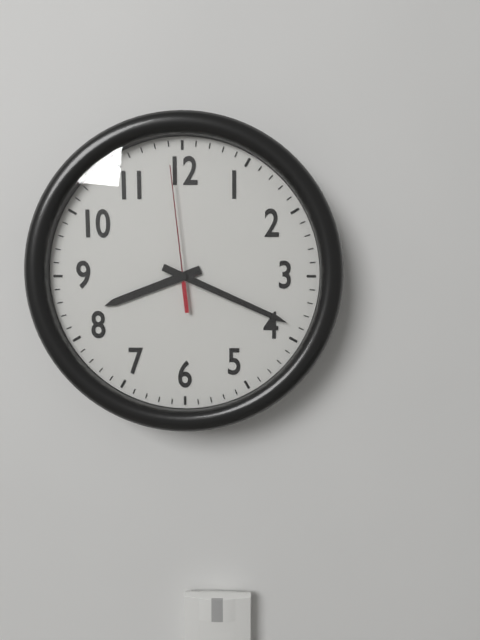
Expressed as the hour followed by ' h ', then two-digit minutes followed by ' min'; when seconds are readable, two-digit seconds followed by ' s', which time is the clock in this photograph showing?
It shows 8 h 19 min 59 s
